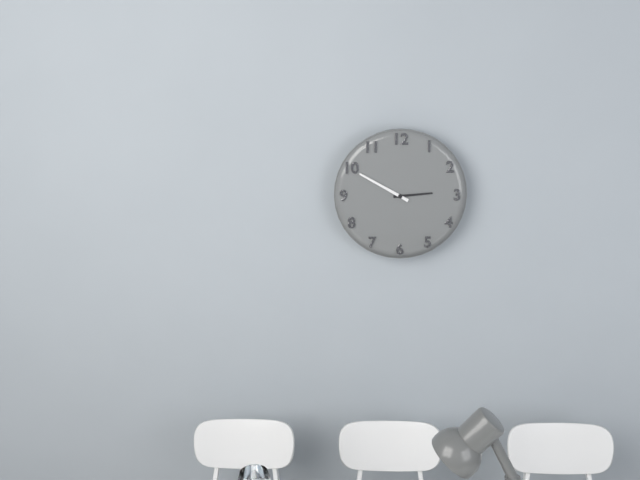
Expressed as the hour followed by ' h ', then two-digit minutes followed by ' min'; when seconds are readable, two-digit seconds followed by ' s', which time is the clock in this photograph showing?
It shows 2 h 50 min
